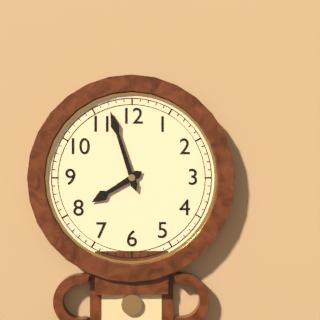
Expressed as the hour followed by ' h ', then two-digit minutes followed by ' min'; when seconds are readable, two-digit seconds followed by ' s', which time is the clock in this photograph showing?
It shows 7 h 57 min
